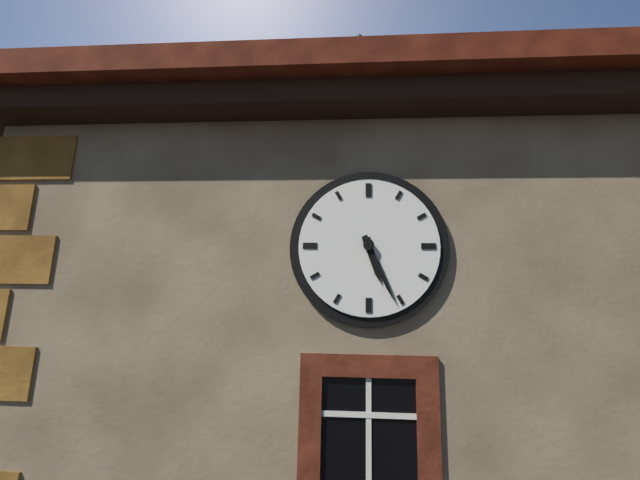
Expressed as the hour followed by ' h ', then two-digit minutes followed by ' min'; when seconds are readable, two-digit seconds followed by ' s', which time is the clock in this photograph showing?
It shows 5 h 26 min
